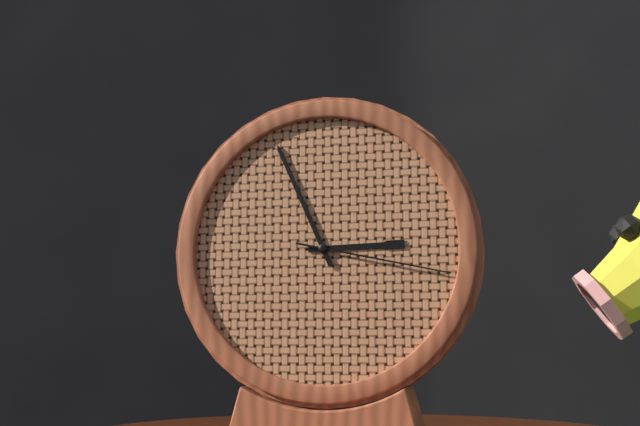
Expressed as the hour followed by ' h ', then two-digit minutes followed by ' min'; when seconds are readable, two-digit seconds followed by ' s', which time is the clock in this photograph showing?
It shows 2 h 56 min 17 s
